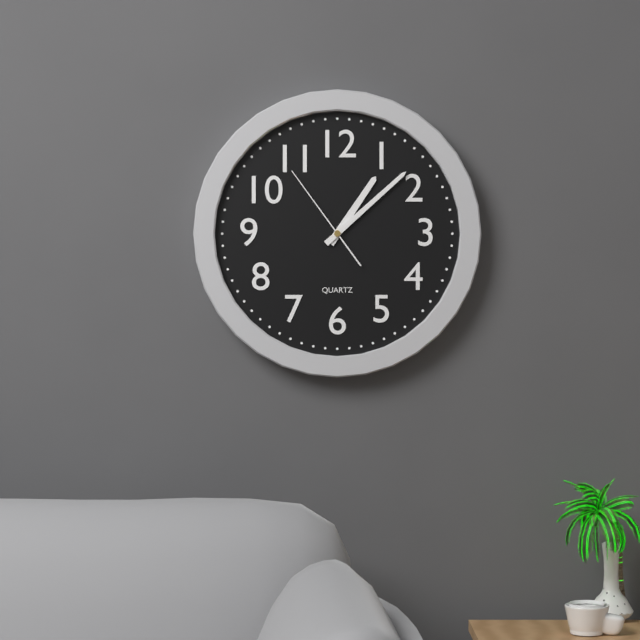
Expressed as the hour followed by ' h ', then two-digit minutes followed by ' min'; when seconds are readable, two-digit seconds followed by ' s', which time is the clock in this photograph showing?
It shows 1 h 08 min 54 s
